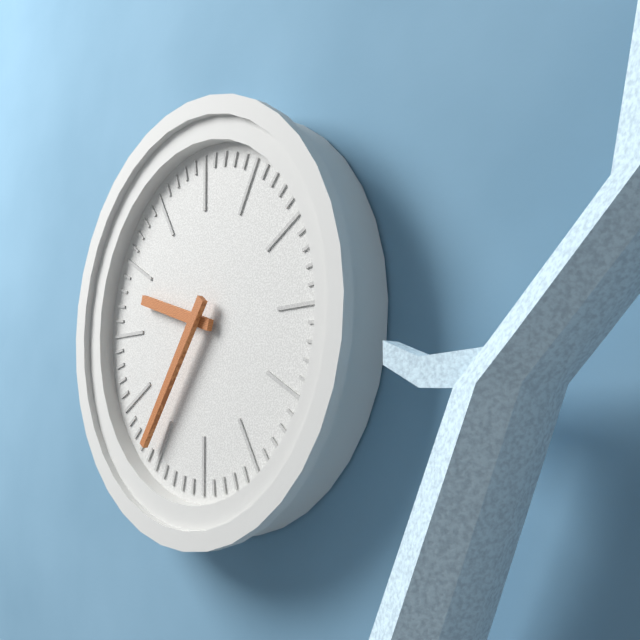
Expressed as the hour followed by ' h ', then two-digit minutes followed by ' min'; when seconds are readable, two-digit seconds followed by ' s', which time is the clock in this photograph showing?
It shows 9 h 36 min
